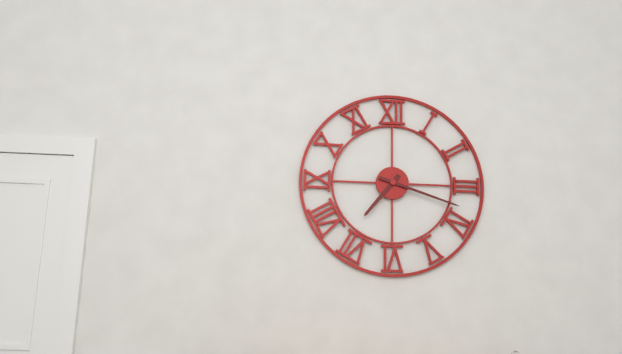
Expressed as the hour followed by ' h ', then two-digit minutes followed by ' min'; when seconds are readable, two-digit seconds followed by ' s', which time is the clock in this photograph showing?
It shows 7 h 18 min
